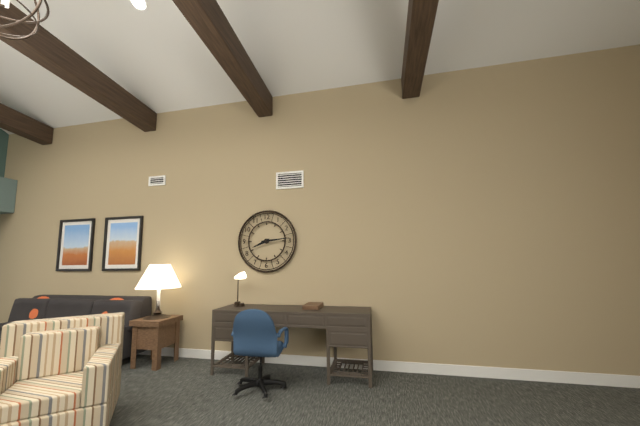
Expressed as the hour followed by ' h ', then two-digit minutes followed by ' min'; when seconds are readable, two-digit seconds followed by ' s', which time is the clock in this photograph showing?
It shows 8 h 14 min
